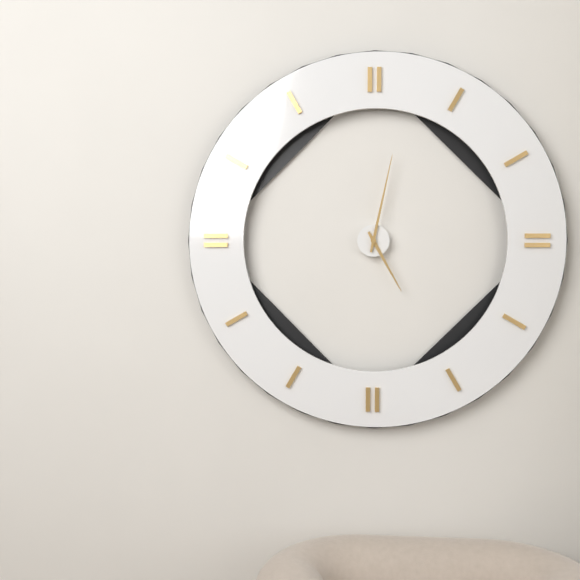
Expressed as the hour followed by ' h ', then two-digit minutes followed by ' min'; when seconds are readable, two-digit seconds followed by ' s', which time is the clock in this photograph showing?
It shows 5 h 02 min
